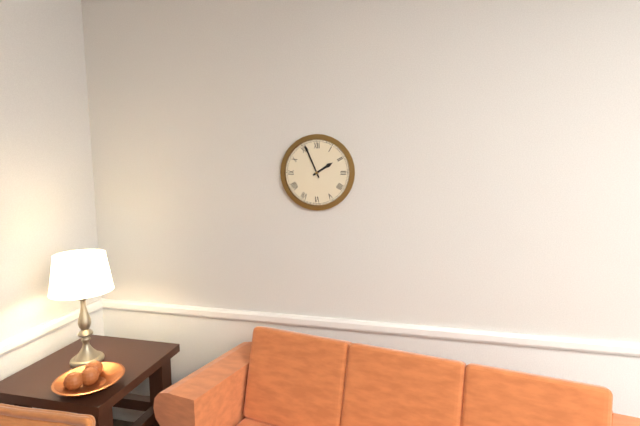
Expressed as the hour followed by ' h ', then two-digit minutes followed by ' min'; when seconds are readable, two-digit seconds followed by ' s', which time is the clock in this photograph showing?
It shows 1 h 56 min
